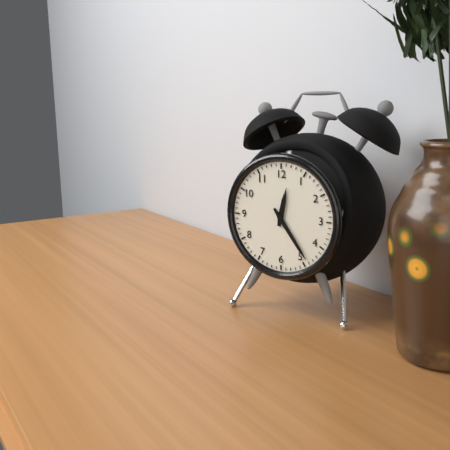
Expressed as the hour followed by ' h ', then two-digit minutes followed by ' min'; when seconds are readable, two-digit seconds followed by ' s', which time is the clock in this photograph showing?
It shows 12 h 24 min
